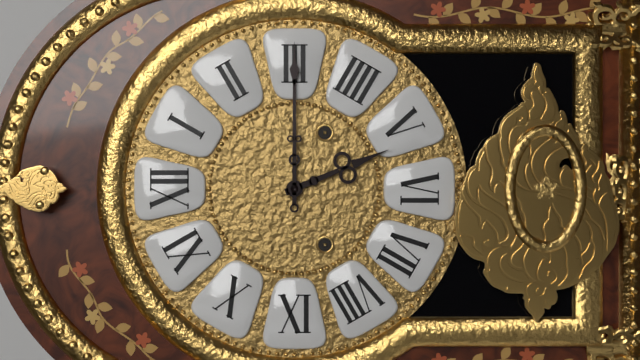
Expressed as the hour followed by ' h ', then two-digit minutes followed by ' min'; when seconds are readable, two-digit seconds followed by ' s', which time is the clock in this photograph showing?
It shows 5 h 15 min
